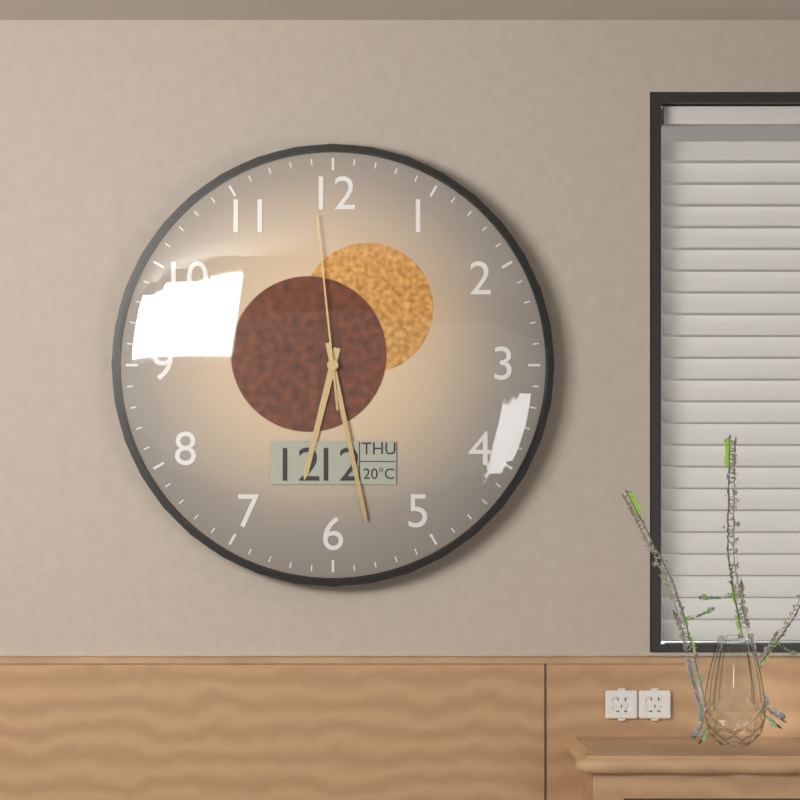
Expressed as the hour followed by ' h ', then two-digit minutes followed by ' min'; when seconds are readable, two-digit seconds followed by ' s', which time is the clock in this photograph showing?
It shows 6 h 28 min 59 s
